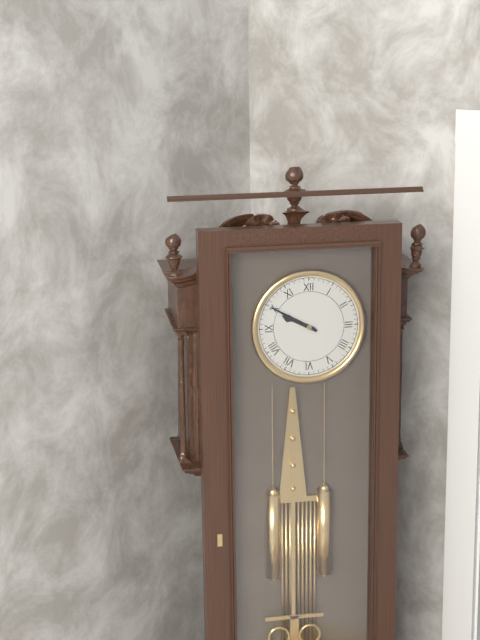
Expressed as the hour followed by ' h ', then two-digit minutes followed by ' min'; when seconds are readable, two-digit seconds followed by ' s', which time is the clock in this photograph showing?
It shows 9 h 50 min
